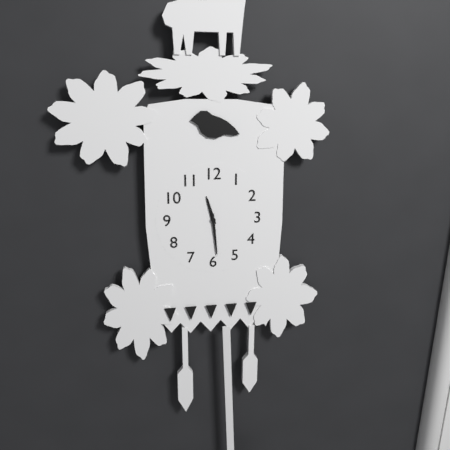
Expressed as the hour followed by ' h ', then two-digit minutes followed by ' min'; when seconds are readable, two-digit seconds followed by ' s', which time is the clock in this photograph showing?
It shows 11 h 29 min
